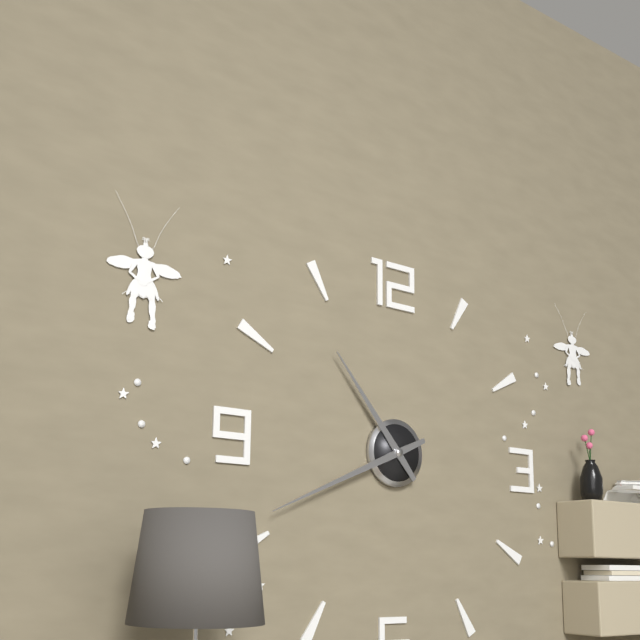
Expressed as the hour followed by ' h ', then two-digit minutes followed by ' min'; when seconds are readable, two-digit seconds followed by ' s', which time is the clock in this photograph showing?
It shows 10 h 41 min
